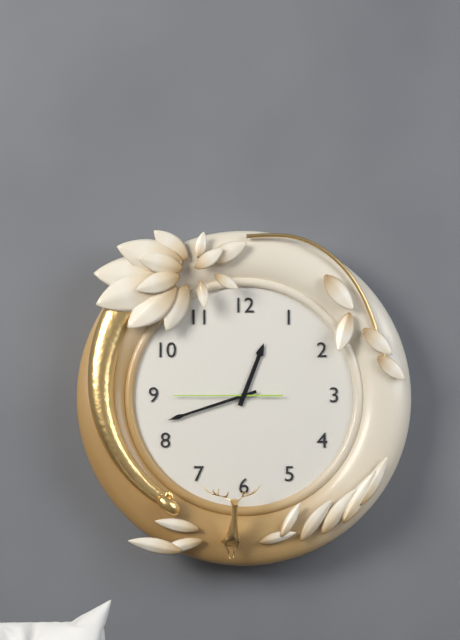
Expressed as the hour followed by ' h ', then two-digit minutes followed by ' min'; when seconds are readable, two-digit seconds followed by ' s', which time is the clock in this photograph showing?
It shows 12 h 42 min 45 s
